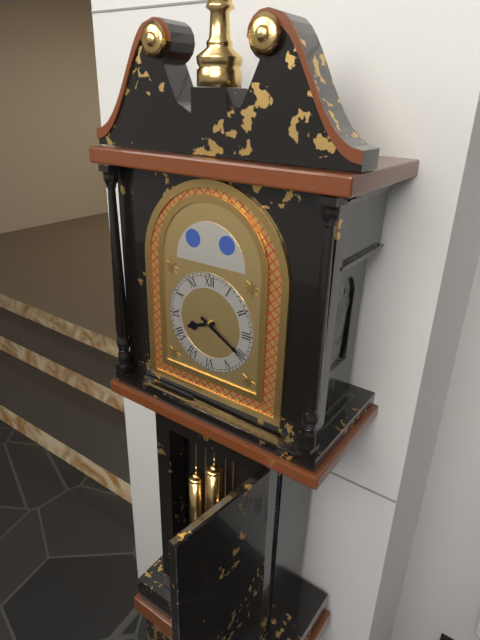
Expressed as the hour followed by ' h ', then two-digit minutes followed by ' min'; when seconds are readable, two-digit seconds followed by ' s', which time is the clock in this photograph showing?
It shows 8 h 20 min
